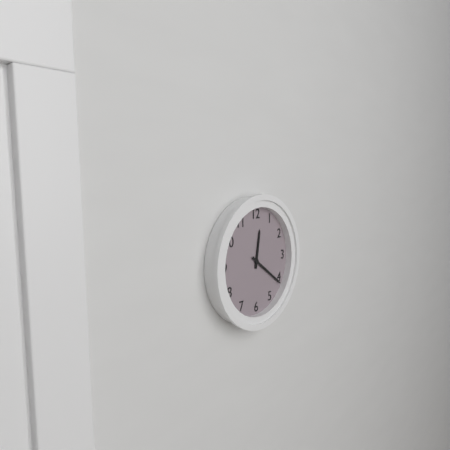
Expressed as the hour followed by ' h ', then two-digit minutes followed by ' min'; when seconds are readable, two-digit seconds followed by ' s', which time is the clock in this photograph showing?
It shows 12 h 21 min
